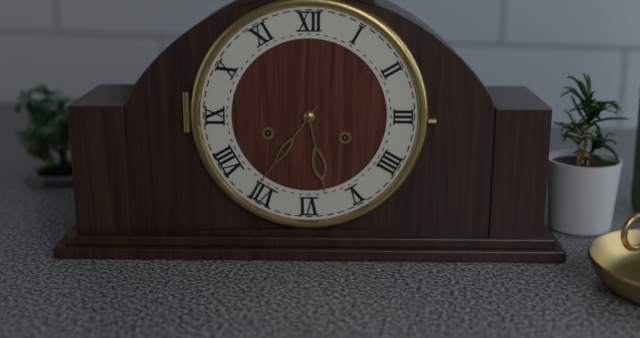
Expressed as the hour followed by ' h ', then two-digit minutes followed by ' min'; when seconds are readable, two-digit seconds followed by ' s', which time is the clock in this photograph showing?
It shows 5 h 36 min
